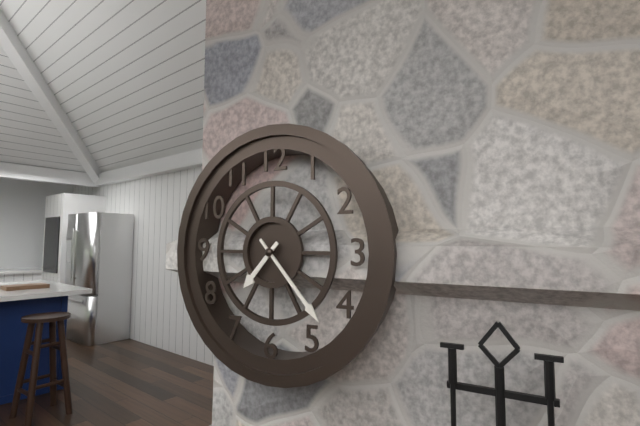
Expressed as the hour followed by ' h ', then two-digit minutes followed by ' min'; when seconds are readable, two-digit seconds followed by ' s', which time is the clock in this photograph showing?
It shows 7 h 23 min
